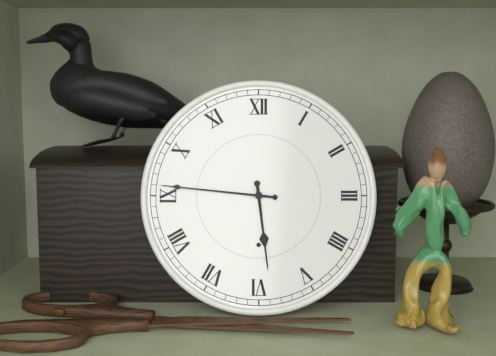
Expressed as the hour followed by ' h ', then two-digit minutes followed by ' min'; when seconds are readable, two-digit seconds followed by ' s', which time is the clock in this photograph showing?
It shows 5 h 46 min
